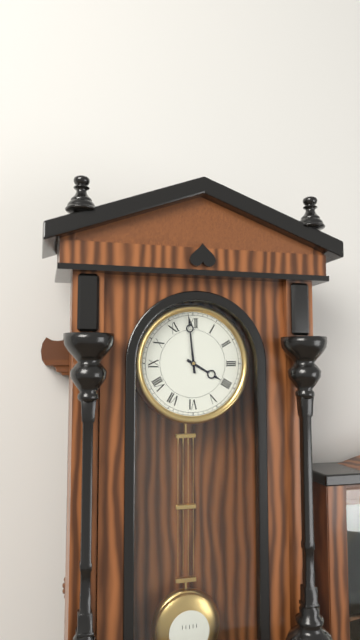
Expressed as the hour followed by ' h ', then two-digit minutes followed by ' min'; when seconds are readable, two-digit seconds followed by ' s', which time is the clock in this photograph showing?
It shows 3 h 59 min
